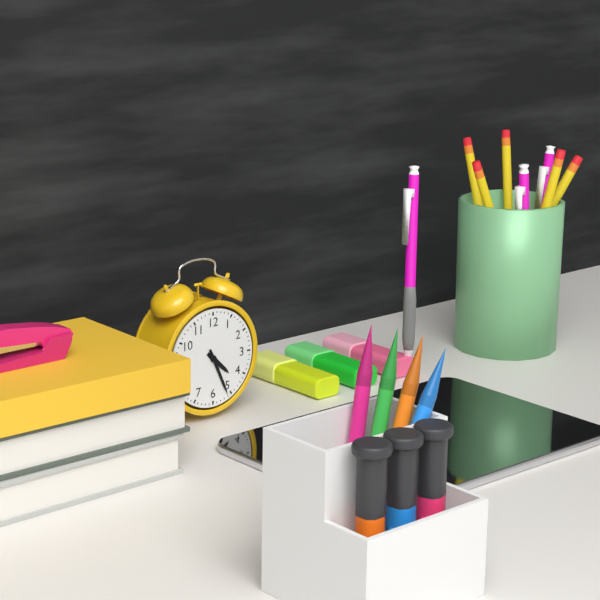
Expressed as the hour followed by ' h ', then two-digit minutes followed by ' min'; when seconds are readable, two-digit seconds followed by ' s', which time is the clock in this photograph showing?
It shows 4 h 26 min
